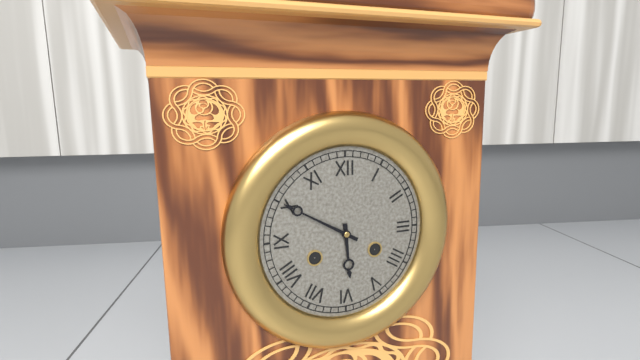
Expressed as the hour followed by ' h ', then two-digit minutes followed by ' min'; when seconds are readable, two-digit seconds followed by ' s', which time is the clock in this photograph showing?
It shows 5 h 50 min
